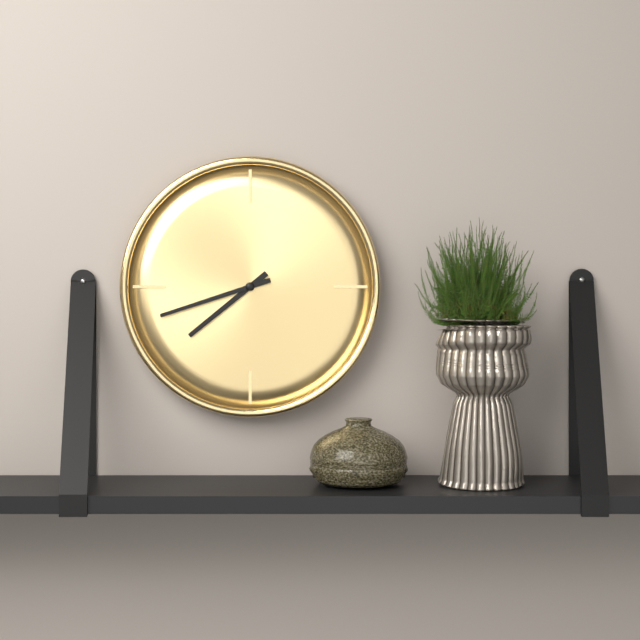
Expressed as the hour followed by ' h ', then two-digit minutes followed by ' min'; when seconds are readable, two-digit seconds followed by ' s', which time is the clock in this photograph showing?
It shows 7 h 42 min
